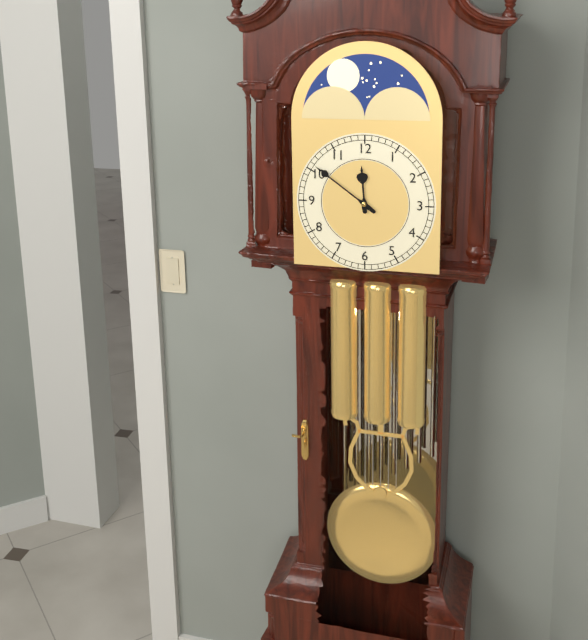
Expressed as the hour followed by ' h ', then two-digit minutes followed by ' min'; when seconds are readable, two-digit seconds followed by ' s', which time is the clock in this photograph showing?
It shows 11 h 51 min
